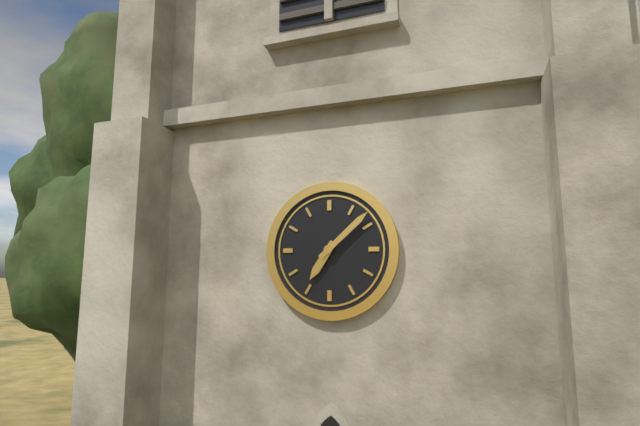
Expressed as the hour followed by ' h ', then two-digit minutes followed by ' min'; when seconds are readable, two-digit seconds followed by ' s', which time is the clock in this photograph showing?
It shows 7 h 08 min
